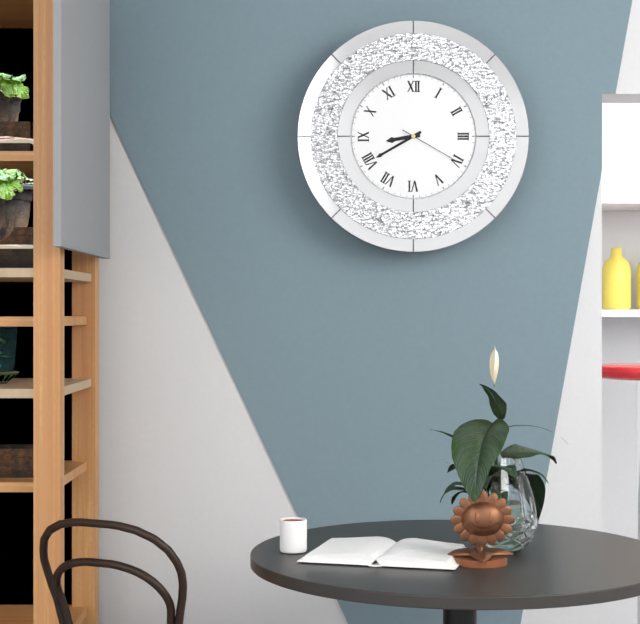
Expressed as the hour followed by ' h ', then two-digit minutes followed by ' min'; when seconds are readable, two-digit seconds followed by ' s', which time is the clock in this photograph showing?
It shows 8 h 40 min 20 s
